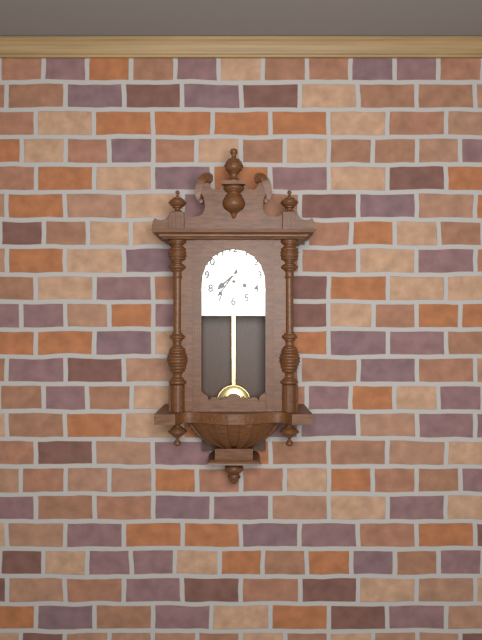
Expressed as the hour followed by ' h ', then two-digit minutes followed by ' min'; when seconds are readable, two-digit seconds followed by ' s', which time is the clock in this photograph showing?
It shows 7 h 36 min
